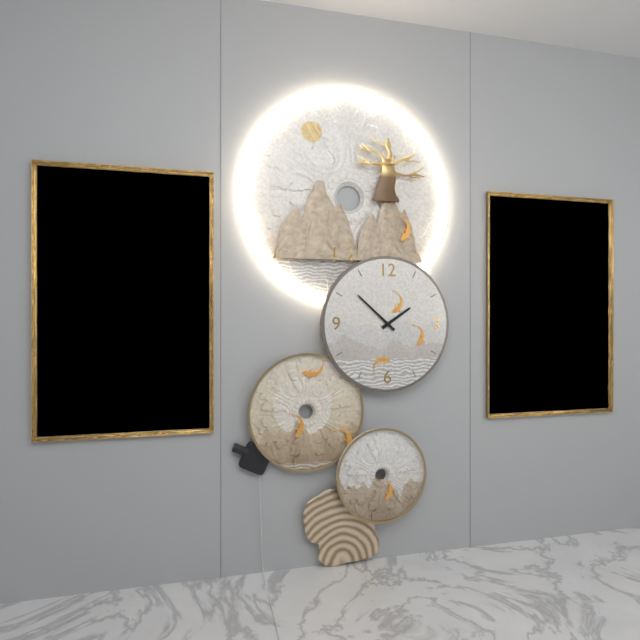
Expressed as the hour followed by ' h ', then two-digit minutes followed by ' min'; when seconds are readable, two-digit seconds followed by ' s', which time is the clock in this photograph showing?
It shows 1 h 52 min
